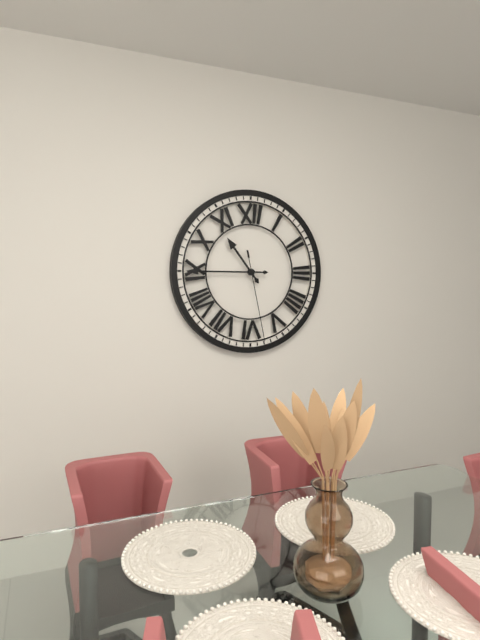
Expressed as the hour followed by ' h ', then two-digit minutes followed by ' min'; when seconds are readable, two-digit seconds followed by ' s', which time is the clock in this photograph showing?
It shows 10 h 45 min 28 s
